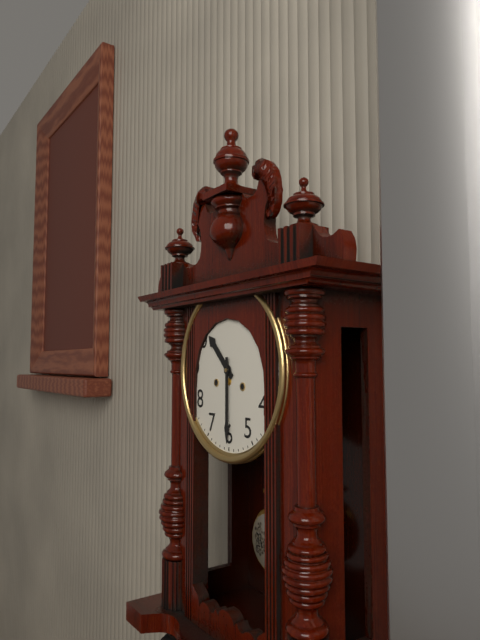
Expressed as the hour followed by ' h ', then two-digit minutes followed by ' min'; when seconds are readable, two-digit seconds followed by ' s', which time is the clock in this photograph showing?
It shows 10 h 30 min
